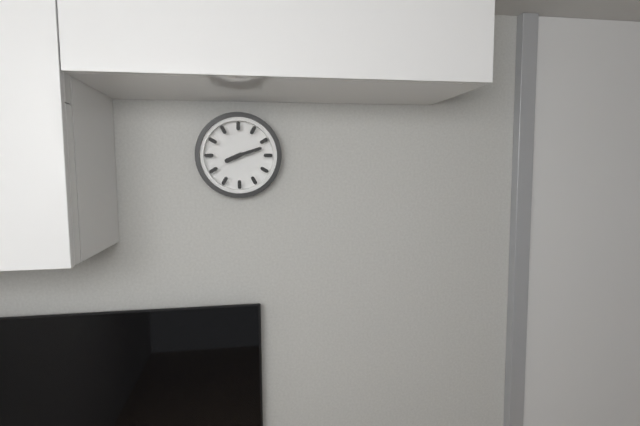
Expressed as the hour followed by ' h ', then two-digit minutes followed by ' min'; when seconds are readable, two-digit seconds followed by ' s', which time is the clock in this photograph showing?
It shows 8 h 12 min
